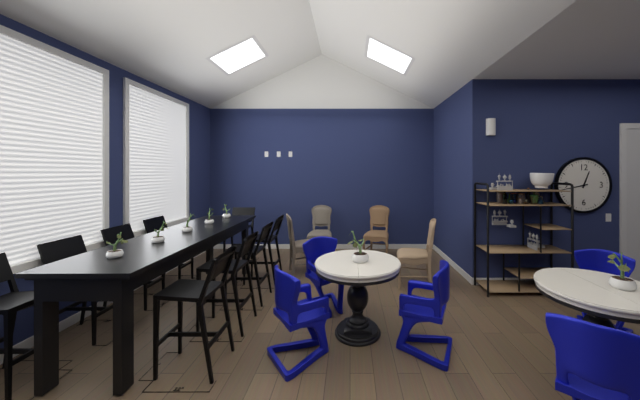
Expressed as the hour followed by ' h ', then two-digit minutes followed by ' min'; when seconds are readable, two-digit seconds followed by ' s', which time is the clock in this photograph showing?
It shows 12 h 43 min
